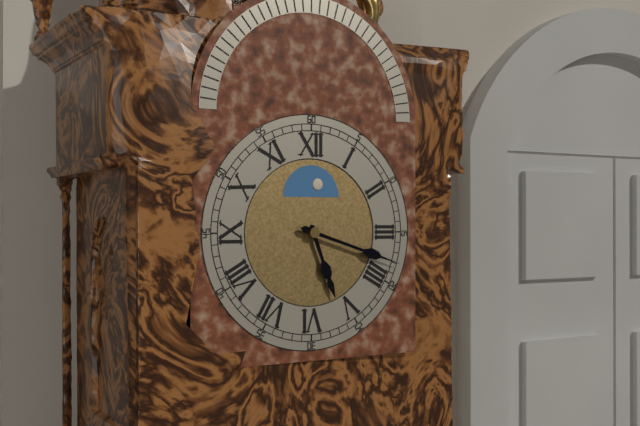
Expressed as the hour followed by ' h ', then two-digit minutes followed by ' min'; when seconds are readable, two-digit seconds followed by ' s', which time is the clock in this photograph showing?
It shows 5 h 18 min
